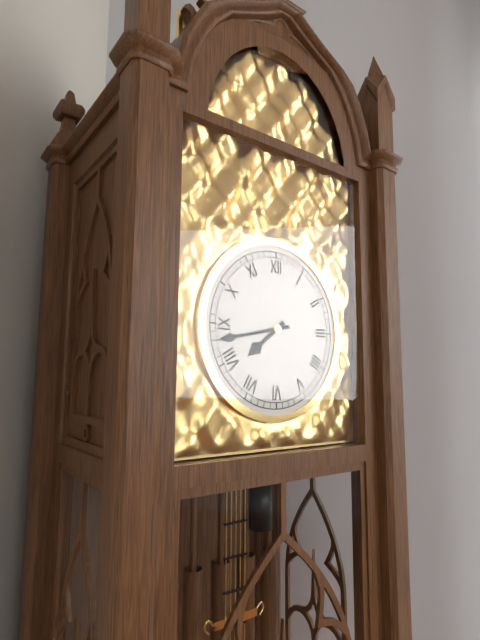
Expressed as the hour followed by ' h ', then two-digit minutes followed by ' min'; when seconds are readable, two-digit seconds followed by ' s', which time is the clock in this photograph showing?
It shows 7 h 43 min
